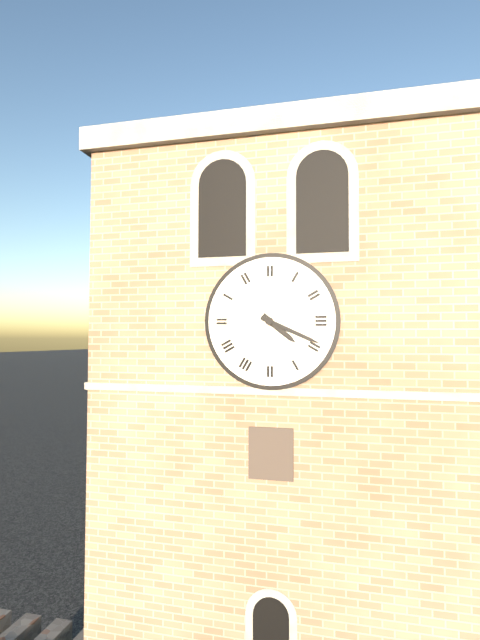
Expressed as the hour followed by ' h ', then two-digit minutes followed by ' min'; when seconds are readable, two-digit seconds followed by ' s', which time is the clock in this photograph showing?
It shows 4 h 19 min
